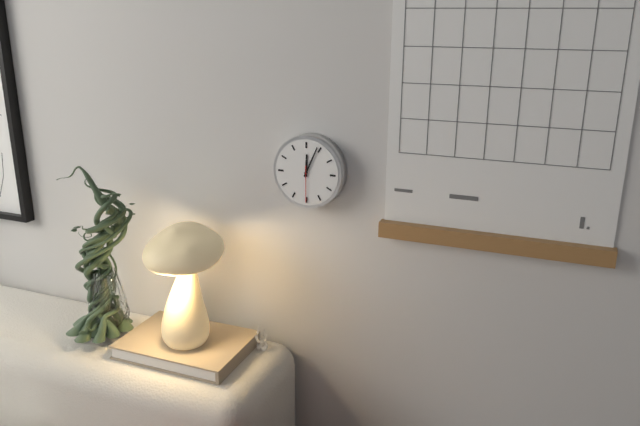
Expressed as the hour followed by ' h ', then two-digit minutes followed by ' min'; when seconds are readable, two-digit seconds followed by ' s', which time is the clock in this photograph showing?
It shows 12 h 04 min
